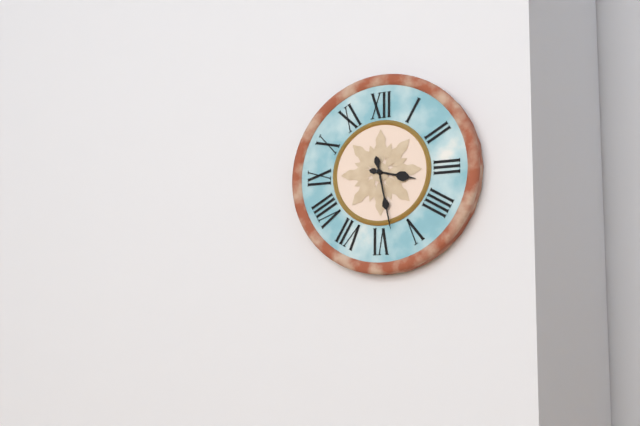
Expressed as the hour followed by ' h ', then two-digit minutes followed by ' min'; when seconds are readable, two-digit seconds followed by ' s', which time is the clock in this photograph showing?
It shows 3 h 28 min
